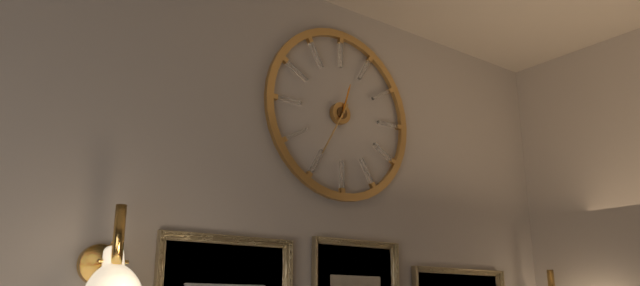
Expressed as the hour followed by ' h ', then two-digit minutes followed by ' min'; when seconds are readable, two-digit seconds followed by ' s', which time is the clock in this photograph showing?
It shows 12 h 35 min
